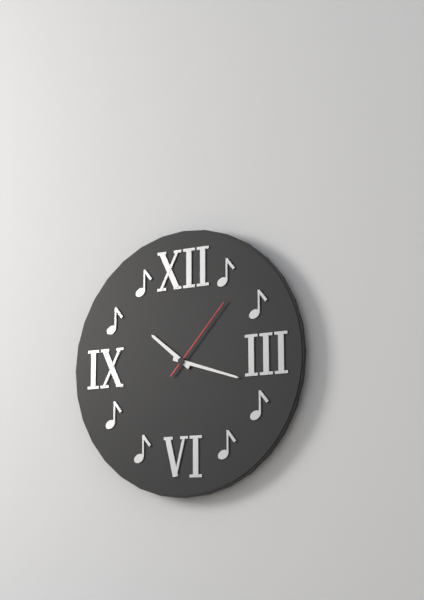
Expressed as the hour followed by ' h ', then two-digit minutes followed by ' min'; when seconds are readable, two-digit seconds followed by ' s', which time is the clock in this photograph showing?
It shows 10 h 18 min 07 s
